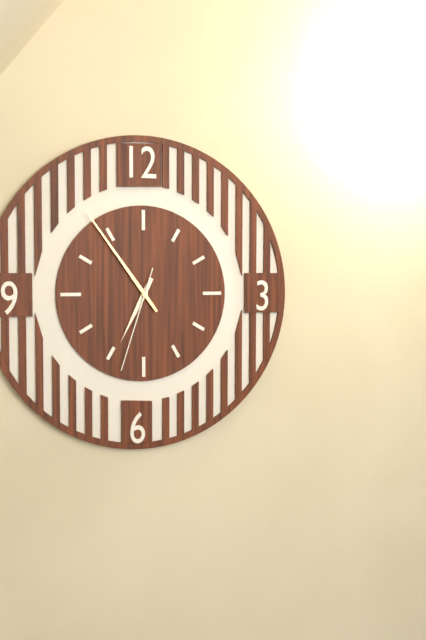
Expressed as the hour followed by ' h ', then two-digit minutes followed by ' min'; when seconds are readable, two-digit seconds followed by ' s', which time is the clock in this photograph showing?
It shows 6 h 54 min 33 s
